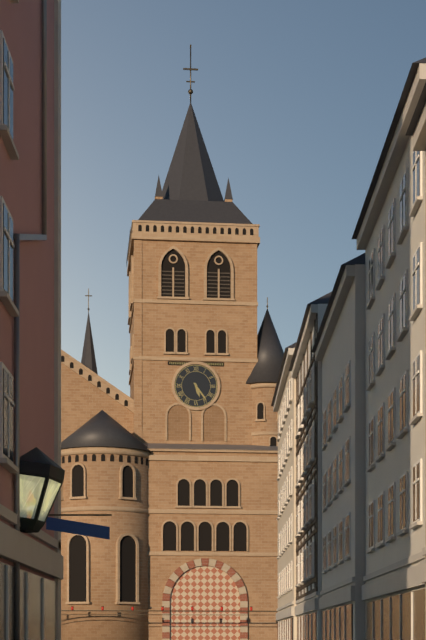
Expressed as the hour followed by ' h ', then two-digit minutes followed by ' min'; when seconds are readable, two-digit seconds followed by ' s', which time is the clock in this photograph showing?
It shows 5 h 24 min
